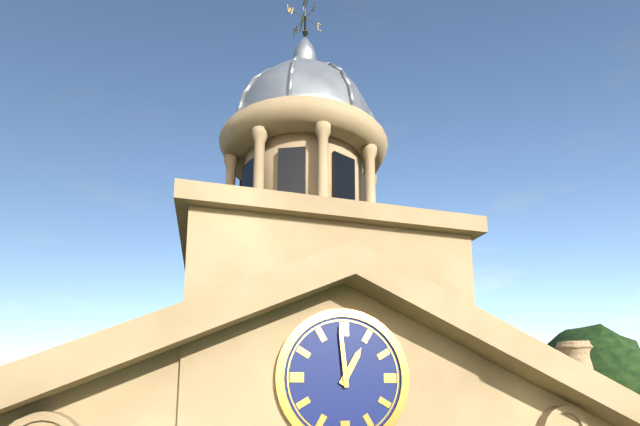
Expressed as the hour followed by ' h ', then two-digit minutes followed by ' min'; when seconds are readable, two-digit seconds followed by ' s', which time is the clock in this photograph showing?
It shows 12 h 59 min
